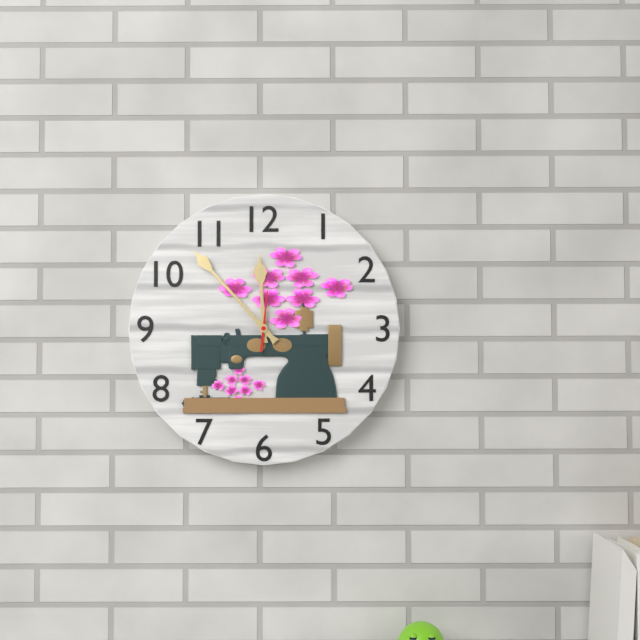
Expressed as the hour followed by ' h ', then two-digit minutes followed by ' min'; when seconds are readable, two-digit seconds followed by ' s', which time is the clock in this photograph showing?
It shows 11 h 53 min
